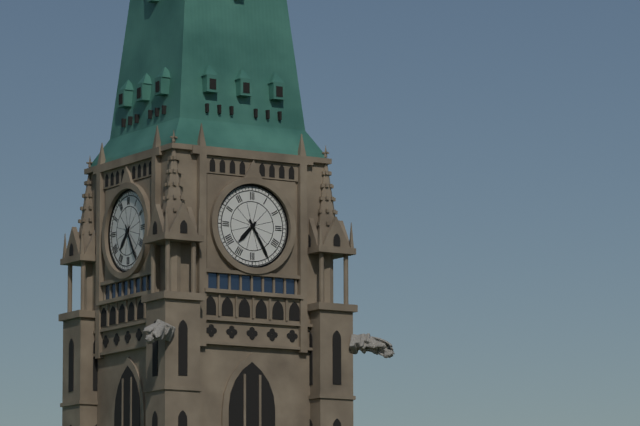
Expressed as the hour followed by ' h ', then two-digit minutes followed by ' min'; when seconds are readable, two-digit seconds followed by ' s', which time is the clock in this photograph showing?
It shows 7 h 25 min
